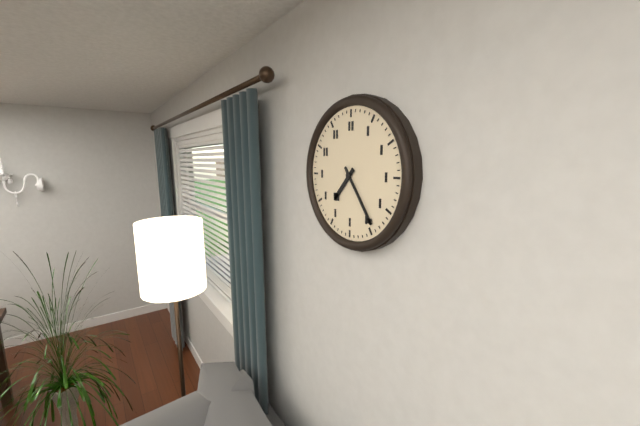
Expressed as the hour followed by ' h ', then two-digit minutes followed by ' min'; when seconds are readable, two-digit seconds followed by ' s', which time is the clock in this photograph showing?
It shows 7 h 24 min
